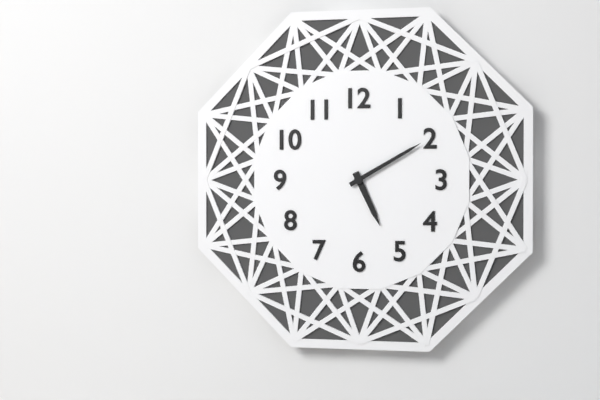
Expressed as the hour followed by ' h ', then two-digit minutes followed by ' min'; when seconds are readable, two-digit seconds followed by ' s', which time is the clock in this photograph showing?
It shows 5 h 10 min
